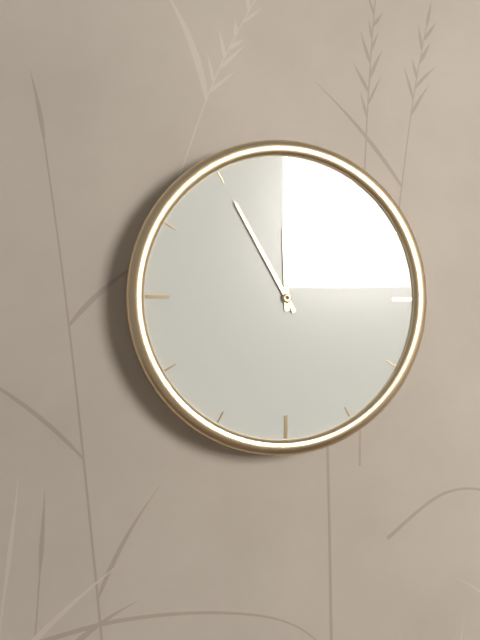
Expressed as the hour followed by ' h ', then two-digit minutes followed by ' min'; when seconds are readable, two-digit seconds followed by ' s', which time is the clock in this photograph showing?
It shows 11 h 55 min
